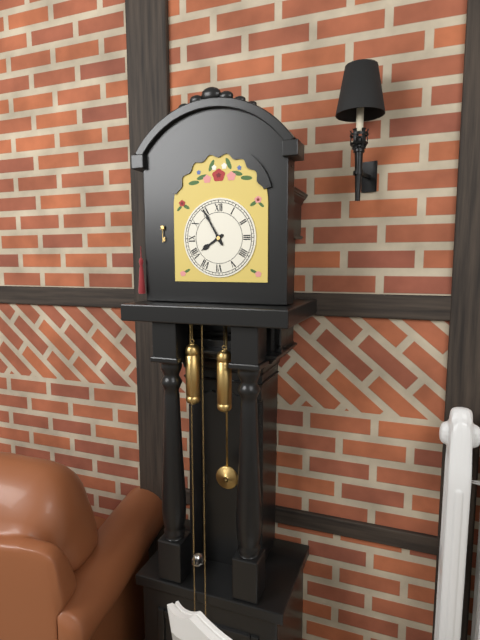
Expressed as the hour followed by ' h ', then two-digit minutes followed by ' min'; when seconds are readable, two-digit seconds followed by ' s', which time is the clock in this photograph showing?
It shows 7 h 55 min
